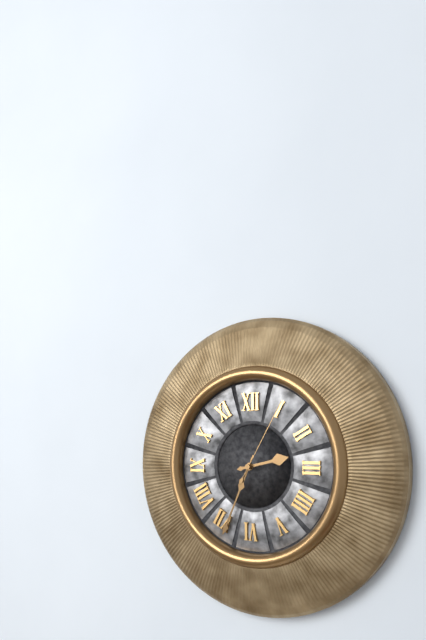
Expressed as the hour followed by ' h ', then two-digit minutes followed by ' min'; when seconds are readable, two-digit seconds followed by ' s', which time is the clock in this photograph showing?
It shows 2 h 34 min 05 s
